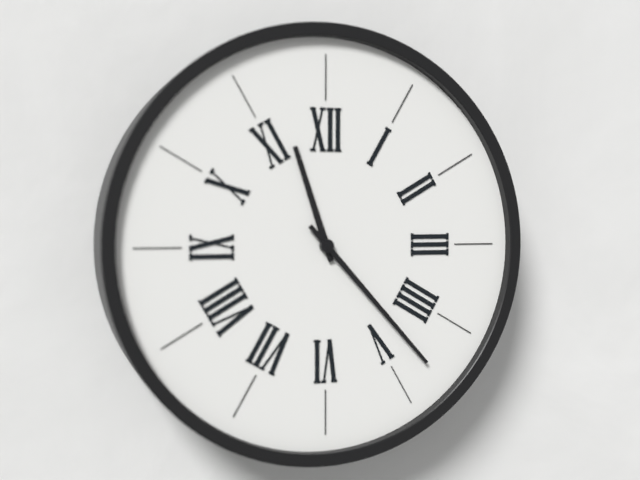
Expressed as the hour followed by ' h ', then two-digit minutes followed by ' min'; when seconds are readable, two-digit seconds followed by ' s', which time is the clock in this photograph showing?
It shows 11 h 23 min
